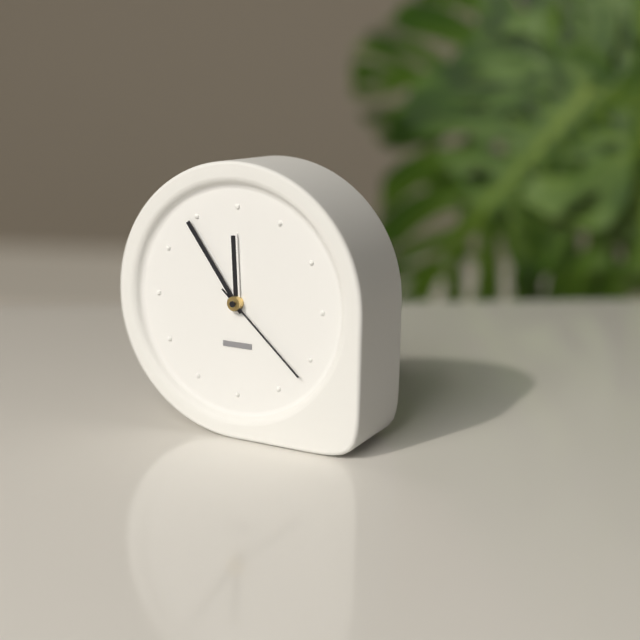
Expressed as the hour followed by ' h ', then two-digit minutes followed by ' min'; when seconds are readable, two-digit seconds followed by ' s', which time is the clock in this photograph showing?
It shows 11 h 54 min 22 s
